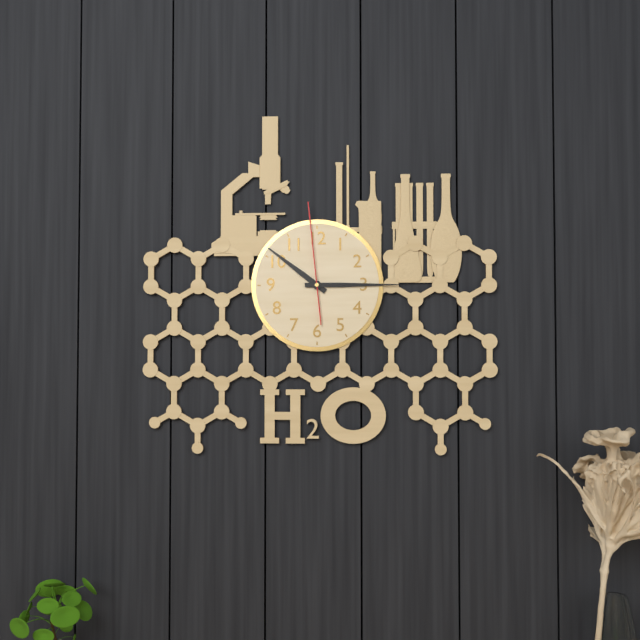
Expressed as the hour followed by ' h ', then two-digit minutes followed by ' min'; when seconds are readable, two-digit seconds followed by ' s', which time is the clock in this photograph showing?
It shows 10 h 15 min 59 s
